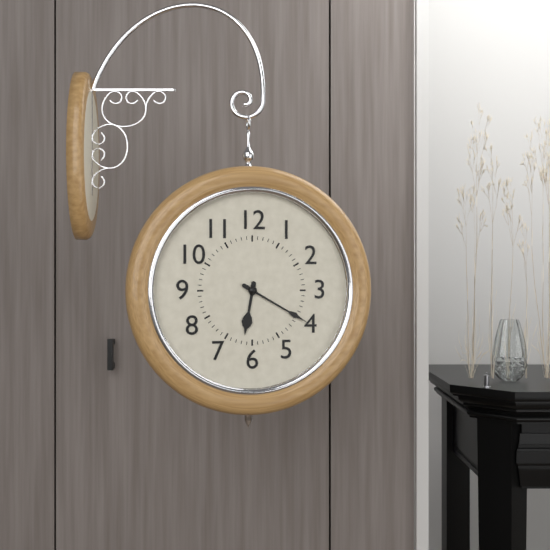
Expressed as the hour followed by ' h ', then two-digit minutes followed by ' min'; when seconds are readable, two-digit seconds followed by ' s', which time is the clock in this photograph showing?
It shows 6 h 20 min
